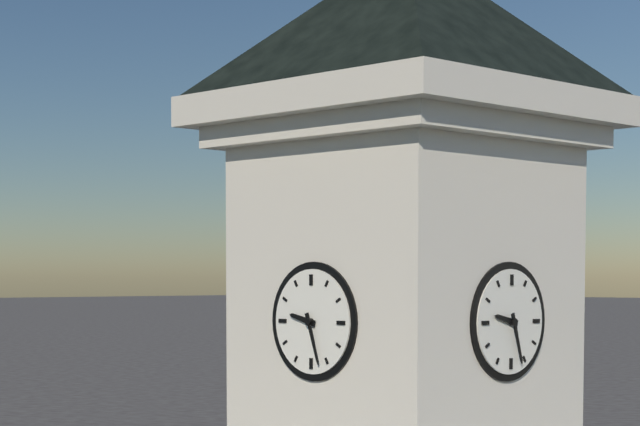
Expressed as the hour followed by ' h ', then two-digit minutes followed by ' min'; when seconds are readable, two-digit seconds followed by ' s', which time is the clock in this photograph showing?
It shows 9 h 27 min
